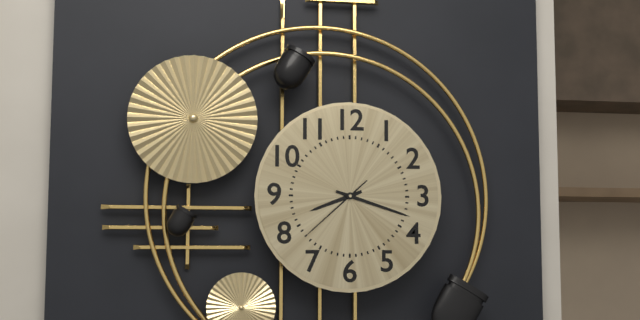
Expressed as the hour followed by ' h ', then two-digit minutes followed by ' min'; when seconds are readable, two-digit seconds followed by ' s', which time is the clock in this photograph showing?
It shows 8 h 18 min 38 s
